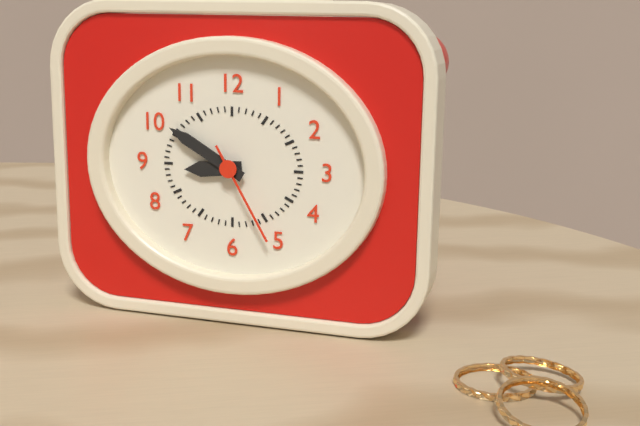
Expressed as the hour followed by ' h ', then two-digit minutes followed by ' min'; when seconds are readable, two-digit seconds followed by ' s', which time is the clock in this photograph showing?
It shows 8 h 50 min 25 s
